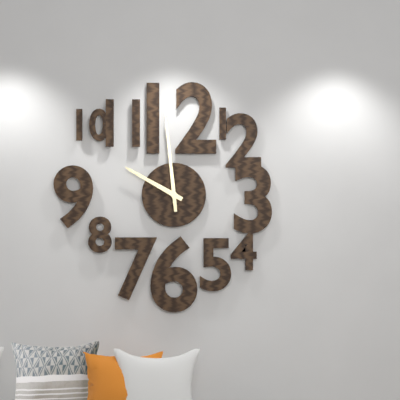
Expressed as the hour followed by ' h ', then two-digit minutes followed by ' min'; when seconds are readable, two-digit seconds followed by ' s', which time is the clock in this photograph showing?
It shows 9 h 59 min
